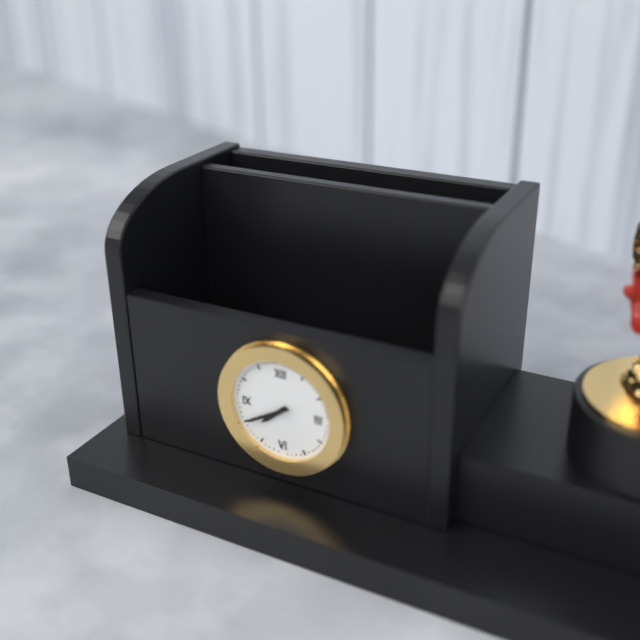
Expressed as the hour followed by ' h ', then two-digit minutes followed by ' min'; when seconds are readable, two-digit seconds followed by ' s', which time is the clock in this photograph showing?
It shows 7 h 40 min
